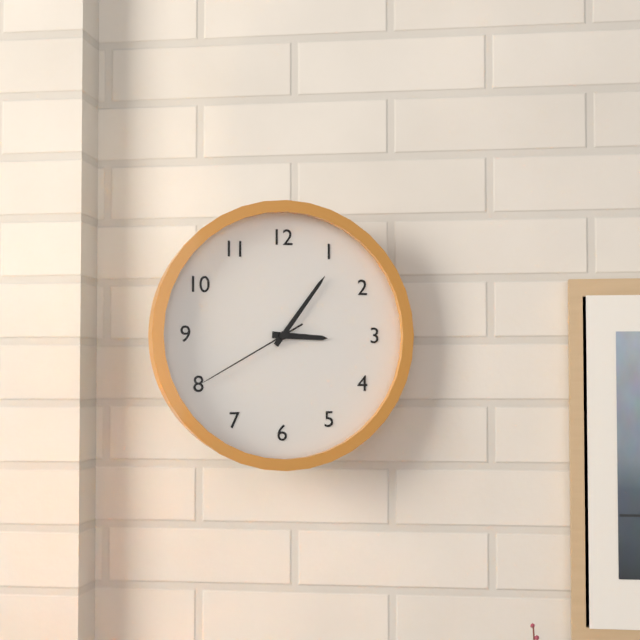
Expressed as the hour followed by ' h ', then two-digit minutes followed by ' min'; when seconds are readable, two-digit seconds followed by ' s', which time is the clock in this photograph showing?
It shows 3 h 06 min 40 s
